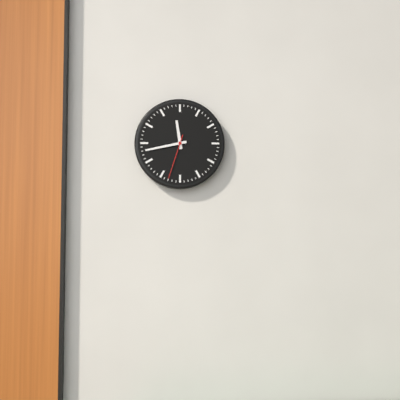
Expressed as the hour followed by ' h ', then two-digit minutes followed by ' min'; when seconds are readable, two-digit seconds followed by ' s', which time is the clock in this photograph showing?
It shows 11 h 43 min
